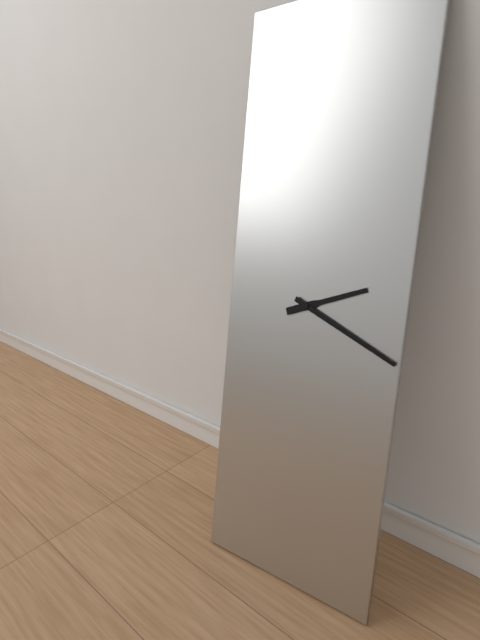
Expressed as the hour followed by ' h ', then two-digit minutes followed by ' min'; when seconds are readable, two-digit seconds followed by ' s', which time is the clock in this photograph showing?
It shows 2 h 19 min
